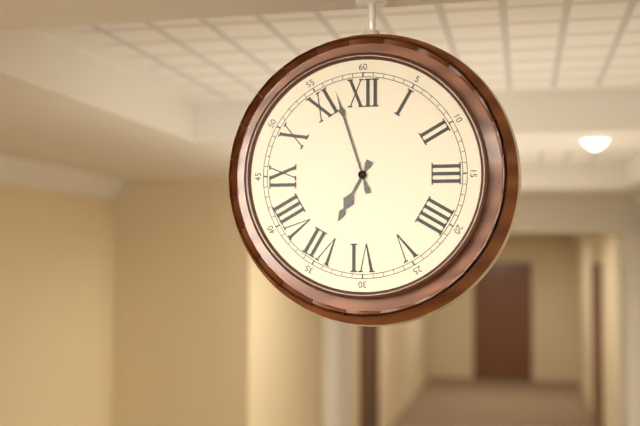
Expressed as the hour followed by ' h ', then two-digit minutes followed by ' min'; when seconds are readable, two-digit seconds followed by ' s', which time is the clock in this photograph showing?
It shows 6 h 57 min
